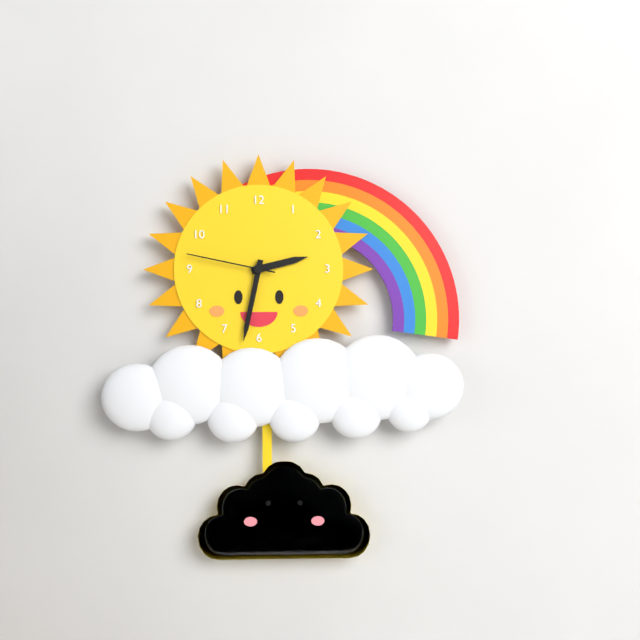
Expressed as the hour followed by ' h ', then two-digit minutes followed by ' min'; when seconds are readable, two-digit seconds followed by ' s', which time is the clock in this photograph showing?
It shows 2 h 32 min 47 s
